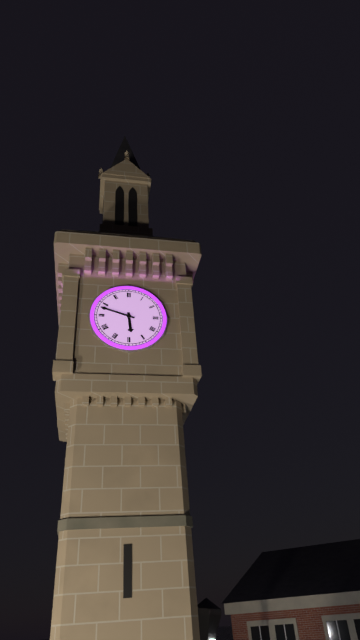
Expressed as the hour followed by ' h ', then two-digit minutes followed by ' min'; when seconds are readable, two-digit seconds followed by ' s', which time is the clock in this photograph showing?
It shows 5 h 48 min
